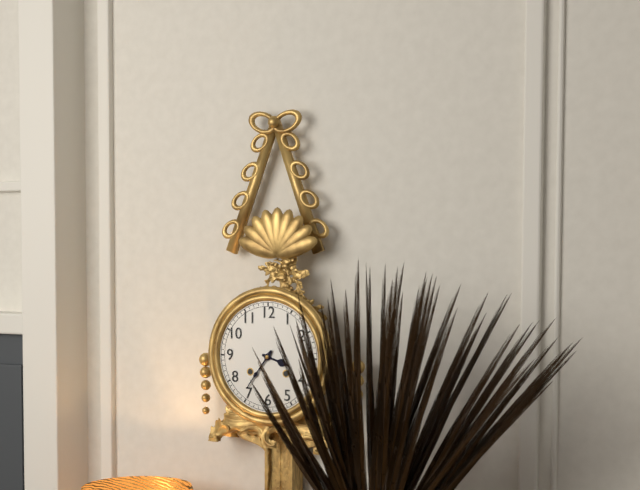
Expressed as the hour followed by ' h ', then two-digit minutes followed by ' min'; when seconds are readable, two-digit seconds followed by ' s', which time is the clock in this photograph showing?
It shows 3 h 36 min
